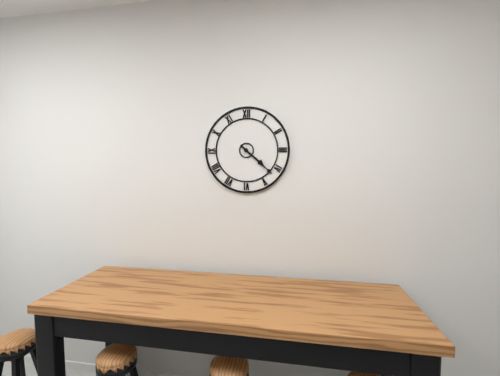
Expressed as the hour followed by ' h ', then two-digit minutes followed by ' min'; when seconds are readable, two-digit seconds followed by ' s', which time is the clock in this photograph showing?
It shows 4 h 22 min
